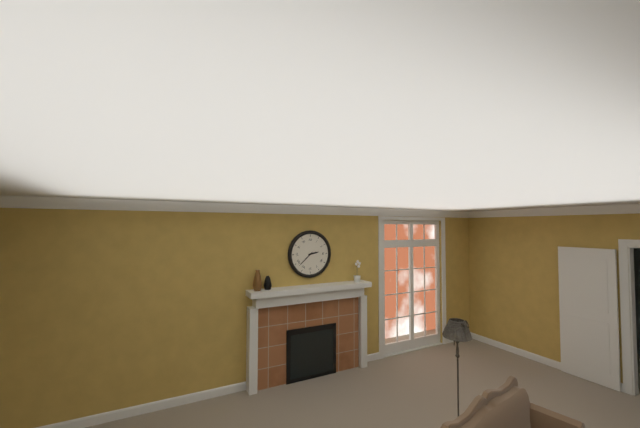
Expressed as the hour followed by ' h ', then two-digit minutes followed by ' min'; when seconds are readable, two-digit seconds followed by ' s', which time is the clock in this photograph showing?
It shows 2 h 38 min
